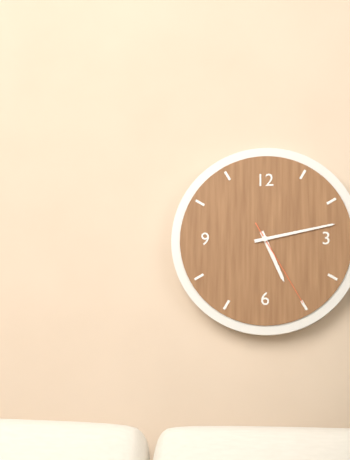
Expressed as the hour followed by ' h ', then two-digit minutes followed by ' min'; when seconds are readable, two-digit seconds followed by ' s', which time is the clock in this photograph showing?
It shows 5 h 13 min 25 s
